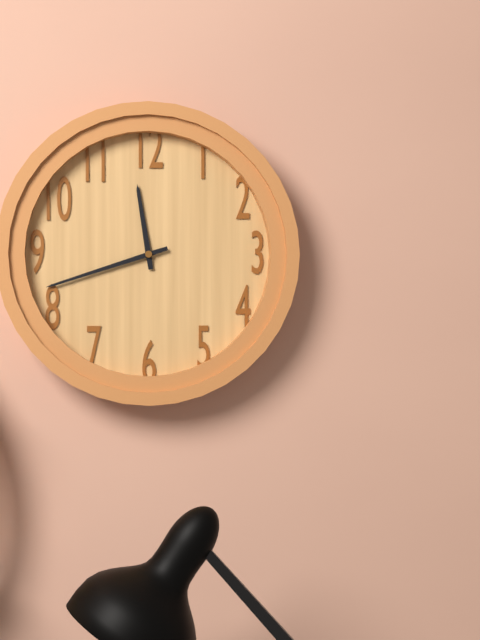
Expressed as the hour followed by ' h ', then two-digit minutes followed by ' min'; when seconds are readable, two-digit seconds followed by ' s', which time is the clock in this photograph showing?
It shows 11 h 42 min
